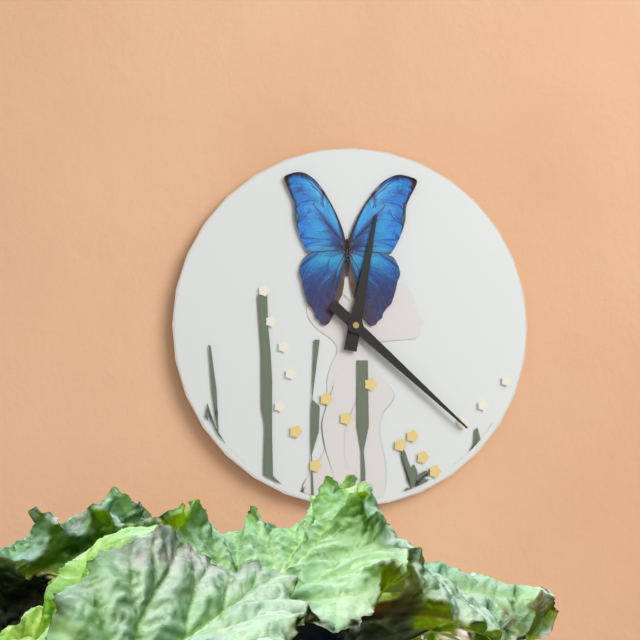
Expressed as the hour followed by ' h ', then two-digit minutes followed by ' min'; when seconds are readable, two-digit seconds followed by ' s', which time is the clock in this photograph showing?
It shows 12 h 22 min
